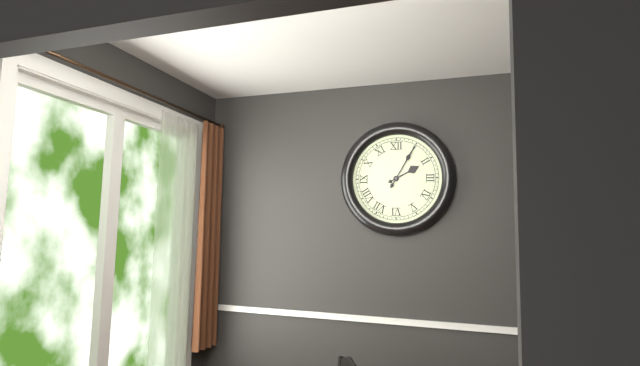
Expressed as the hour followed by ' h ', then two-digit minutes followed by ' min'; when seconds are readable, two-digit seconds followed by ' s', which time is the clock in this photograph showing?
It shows 2 h 05 min
